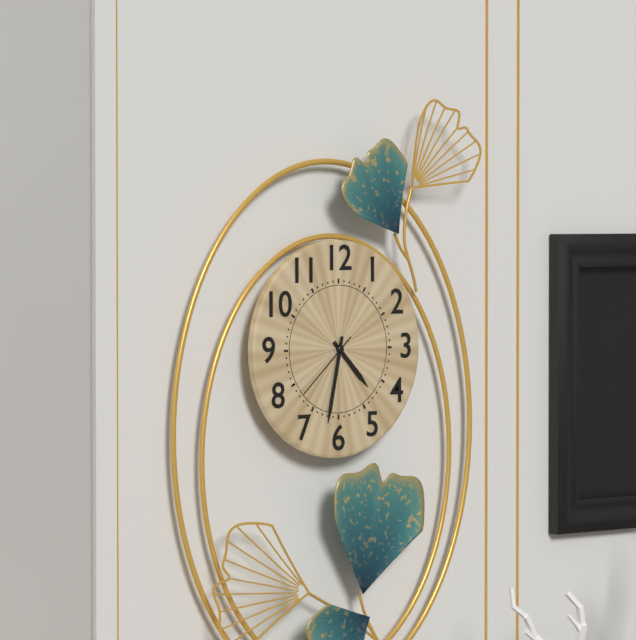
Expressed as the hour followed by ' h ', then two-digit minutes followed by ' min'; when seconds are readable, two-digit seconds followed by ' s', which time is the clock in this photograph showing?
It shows 4 h 32 min 38 s
